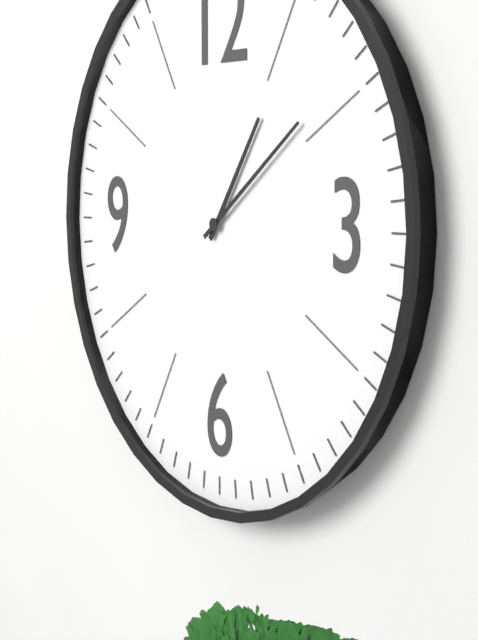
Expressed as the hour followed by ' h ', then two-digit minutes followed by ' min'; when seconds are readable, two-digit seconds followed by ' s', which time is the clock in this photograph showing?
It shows 1 h 09 min
